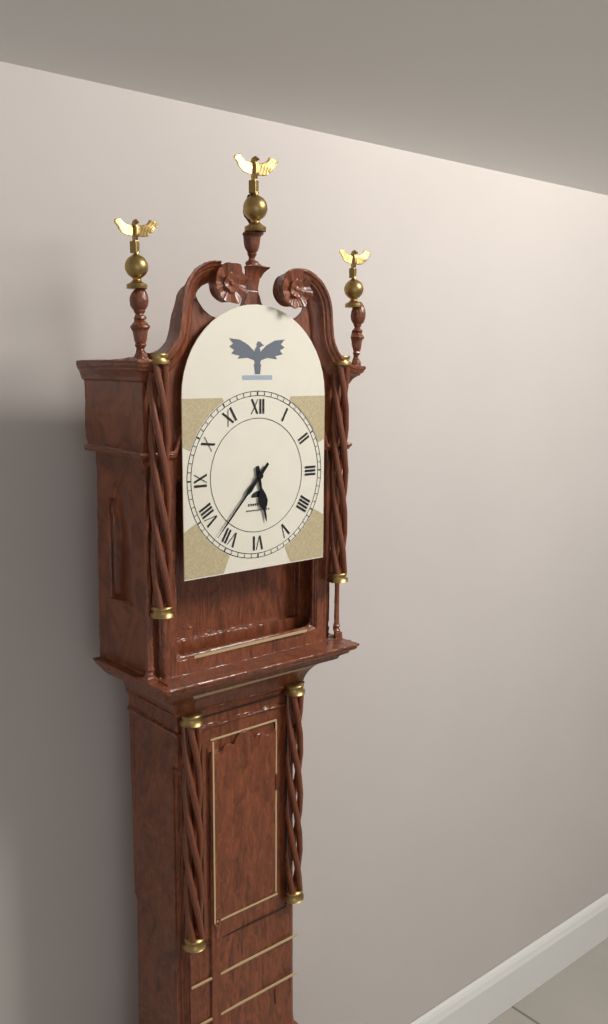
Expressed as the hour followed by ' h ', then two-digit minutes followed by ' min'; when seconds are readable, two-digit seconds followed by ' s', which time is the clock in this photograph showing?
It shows 5 h 37 min
